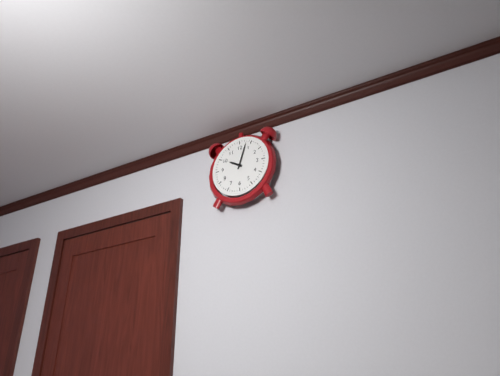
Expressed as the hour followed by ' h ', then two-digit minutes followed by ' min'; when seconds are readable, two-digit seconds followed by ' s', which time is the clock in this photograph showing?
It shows 10 h 03 min
